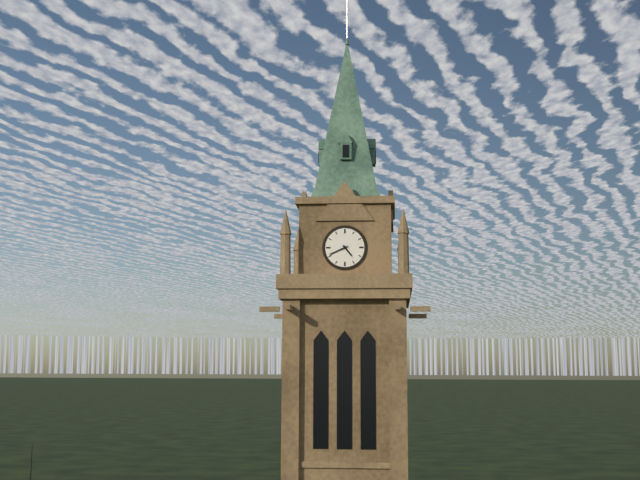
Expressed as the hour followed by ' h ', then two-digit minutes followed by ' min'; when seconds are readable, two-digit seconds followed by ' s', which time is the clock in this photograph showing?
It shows 4 h 41 min
